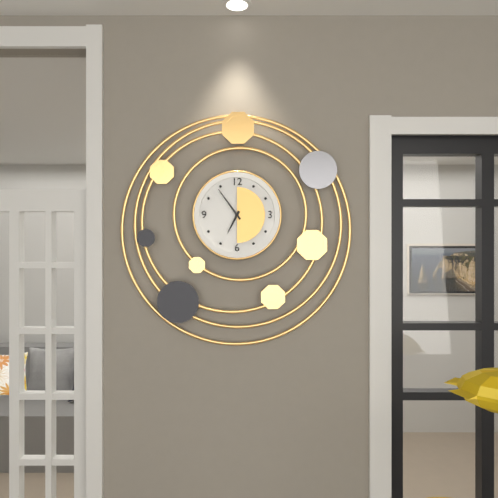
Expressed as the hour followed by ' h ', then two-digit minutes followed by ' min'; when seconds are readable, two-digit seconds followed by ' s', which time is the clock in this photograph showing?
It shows 6 h 54 min
